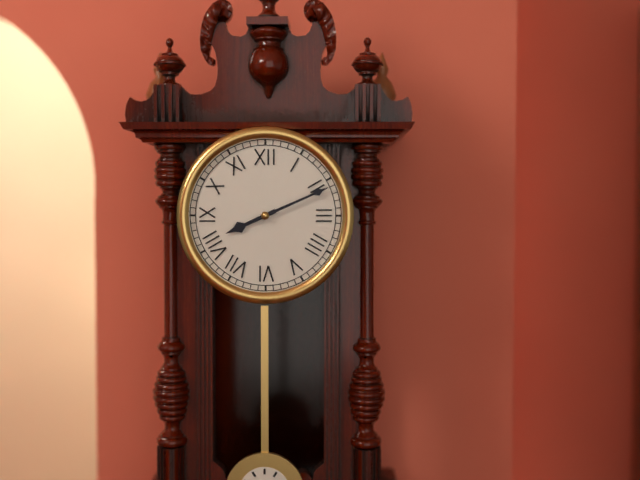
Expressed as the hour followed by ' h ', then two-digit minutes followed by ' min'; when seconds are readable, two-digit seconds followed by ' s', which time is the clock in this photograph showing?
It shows 8 h 11 min
